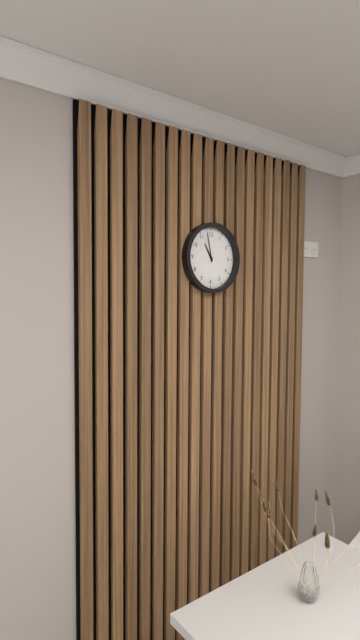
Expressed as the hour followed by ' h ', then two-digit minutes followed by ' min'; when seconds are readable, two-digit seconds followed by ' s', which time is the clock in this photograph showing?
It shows 10 h 58 min
